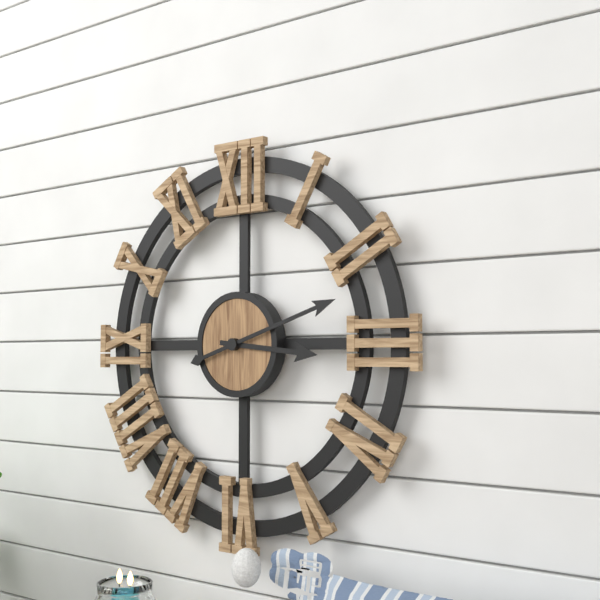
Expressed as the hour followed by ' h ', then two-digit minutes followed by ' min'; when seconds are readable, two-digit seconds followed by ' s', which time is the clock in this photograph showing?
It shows 3 h 12 min
